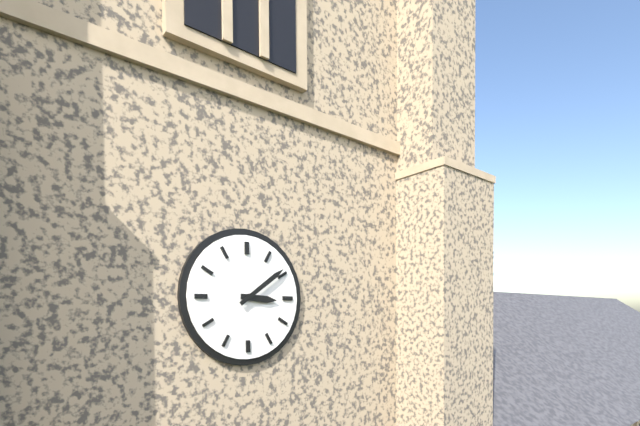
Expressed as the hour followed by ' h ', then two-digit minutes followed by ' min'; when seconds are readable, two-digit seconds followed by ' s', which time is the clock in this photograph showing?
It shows 3 h 09 min
